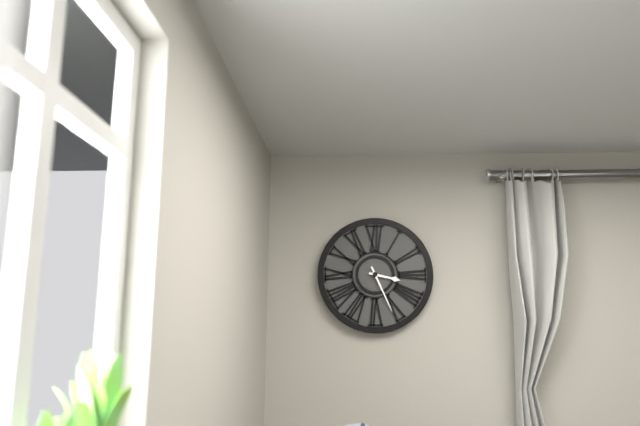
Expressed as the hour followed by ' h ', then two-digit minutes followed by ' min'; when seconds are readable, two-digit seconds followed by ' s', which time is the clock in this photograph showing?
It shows 3 h 26 min
